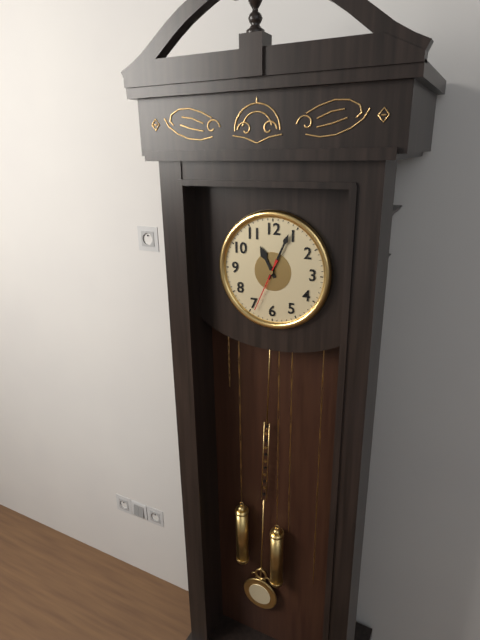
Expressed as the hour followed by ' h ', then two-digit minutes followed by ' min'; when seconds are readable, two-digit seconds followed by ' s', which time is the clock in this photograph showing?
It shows 11 h 04 min 34 s
